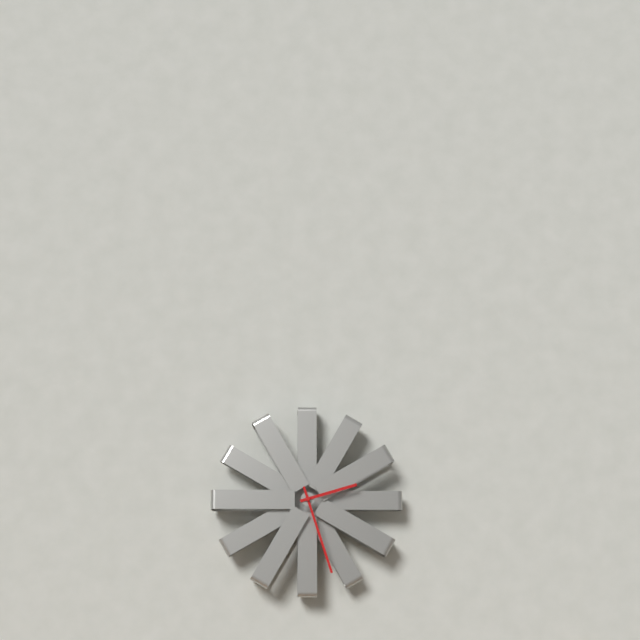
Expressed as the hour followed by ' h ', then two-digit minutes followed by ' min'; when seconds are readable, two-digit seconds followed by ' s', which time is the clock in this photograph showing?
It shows 2 h 27 min
